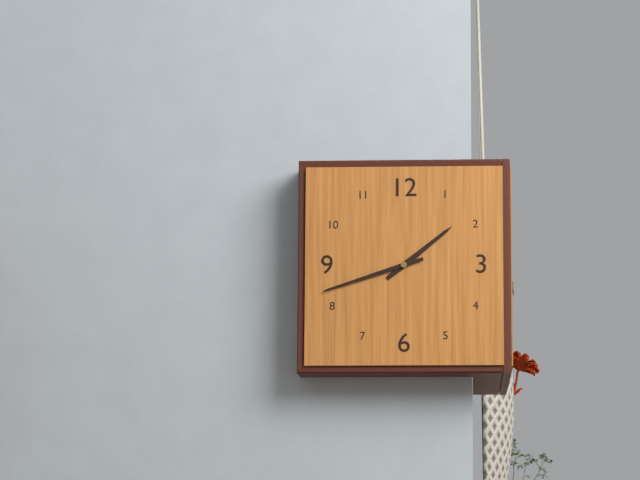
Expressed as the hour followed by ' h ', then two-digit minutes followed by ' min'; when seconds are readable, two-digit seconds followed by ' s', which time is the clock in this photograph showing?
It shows 1 h 42 min
